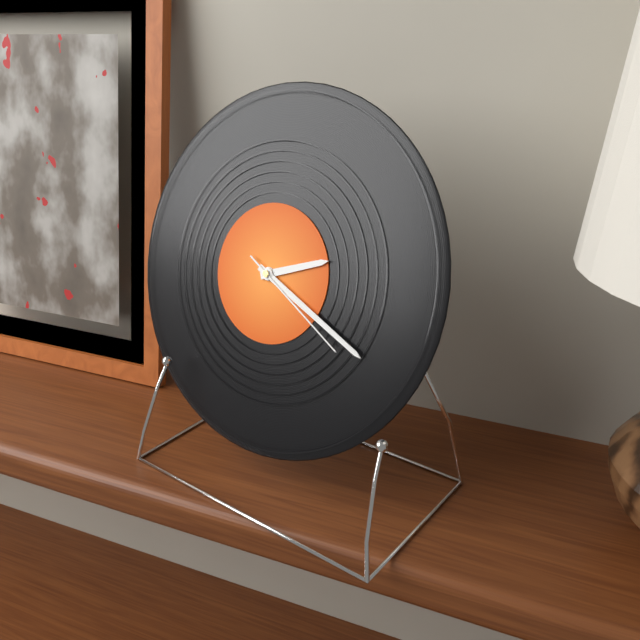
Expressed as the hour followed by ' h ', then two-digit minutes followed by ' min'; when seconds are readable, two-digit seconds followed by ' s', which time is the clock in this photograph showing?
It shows 2 h 19 min 20 s
